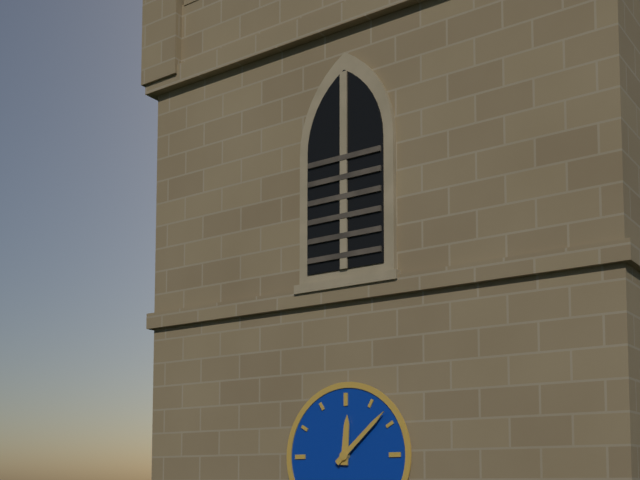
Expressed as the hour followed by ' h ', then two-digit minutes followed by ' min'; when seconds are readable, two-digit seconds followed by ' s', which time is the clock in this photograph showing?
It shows 12 h 08 min
